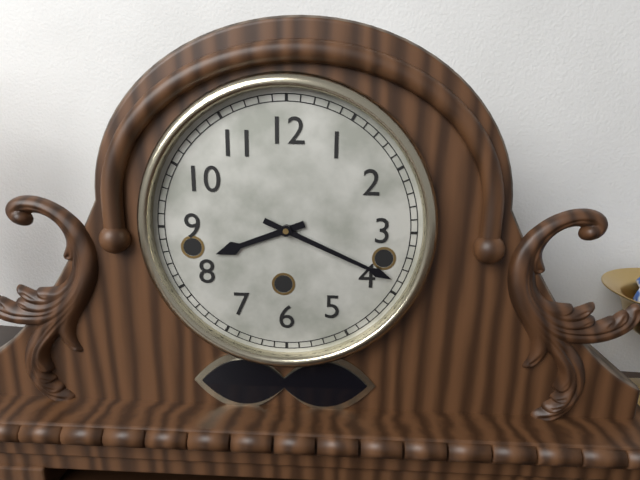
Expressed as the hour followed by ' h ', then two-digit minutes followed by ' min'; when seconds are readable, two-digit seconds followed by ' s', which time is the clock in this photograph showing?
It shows 8 h 19 min
